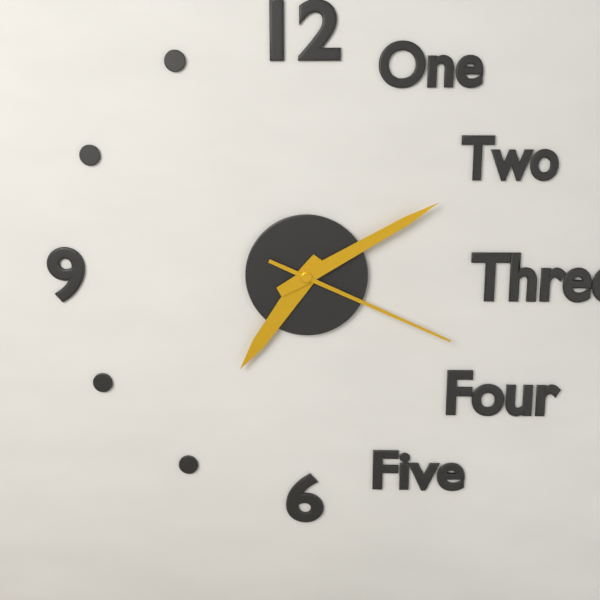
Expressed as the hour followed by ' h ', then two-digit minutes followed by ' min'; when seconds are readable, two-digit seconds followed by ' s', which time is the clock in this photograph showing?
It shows 7 h 10 min 19 s
